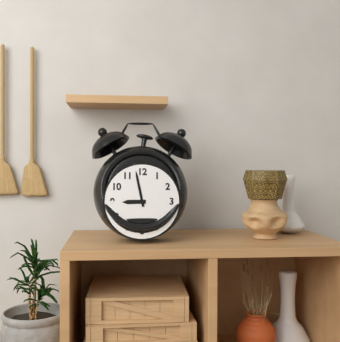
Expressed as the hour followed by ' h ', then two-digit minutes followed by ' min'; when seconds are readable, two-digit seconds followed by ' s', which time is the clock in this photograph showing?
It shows 8 h 58 min
